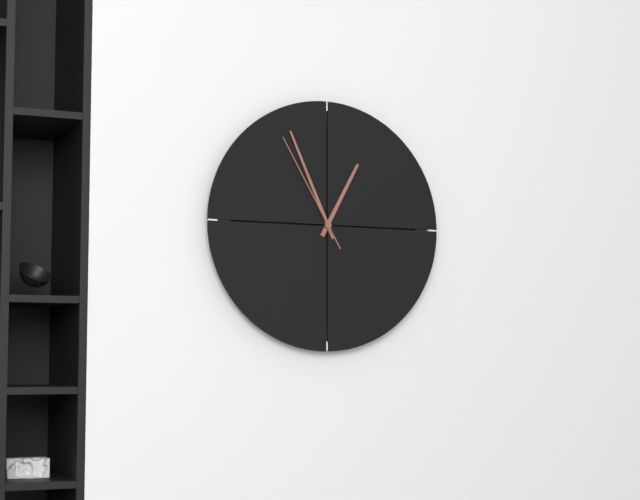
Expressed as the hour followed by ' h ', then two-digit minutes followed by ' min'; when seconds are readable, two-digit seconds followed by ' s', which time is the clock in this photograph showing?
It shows 12 h 56 min 55 s
